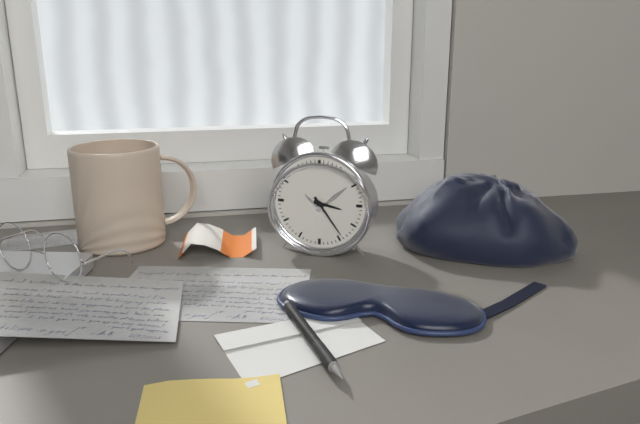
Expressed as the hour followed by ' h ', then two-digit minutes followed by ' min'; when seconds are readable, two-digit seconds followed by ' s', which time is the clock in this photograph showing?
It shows 3 h 24 min
